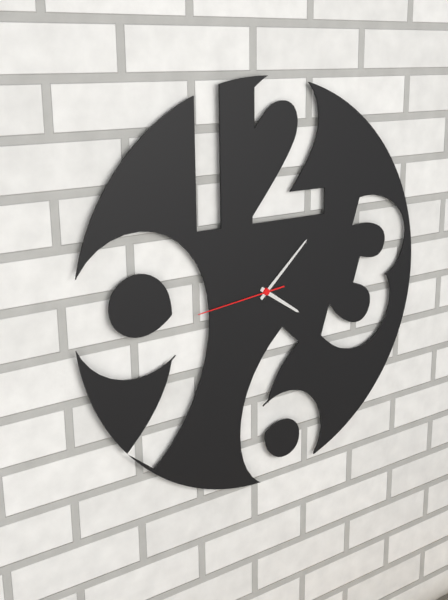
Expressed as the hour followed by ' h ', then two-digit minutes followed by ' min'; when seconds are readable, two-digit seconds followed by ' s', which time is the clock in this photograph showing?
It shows 4 h 08 min 44 s
